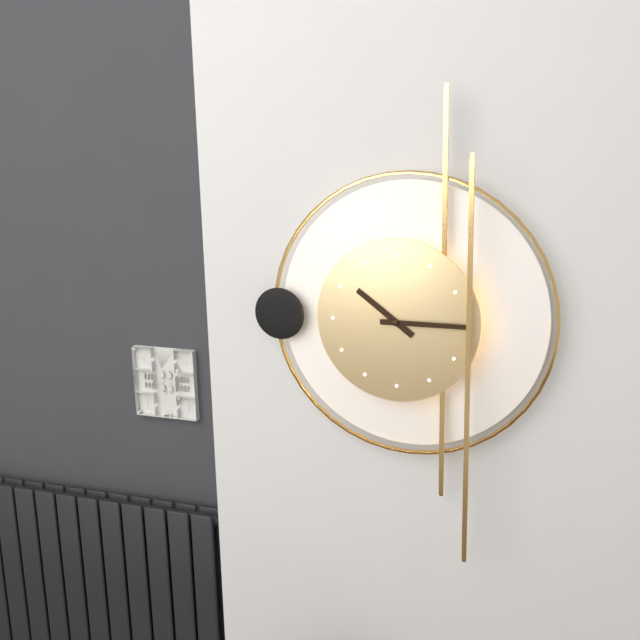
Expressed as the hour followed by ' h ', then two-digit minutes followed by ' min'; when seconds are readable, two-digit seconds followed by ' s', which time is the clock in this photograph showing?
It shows 10 h 15 min
